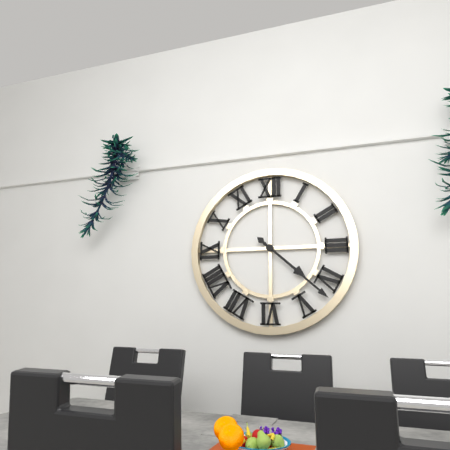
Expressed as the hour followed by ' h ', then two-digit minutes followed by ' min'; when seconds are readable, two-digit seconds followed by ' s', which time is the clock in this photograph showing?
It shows 4 h 22 min
